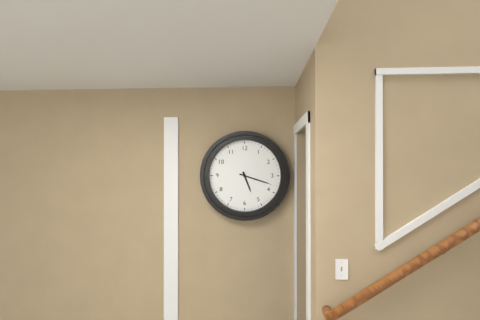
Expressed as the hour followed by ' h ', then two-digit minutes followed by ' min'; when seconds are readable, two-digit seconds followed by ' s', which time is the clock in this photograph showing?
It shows 5 h 18 min
